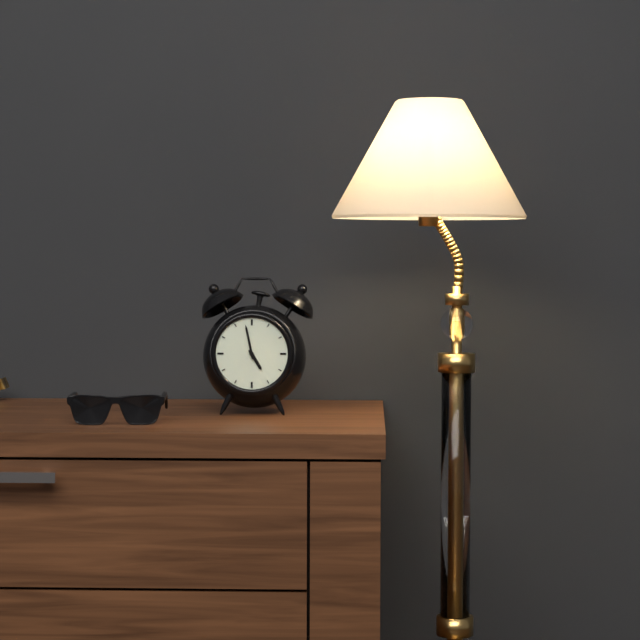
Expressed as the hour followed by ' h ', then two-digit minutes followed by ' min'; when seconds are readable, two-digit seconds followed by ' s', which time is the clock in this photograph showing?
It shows 4 h 58 min
